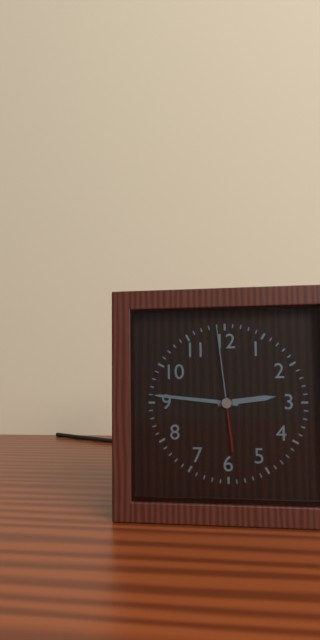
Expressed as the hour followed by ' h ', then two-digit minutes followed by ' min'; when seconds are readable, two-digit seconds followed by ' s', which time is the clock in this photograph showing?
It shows 2 h 46 min 59 s
